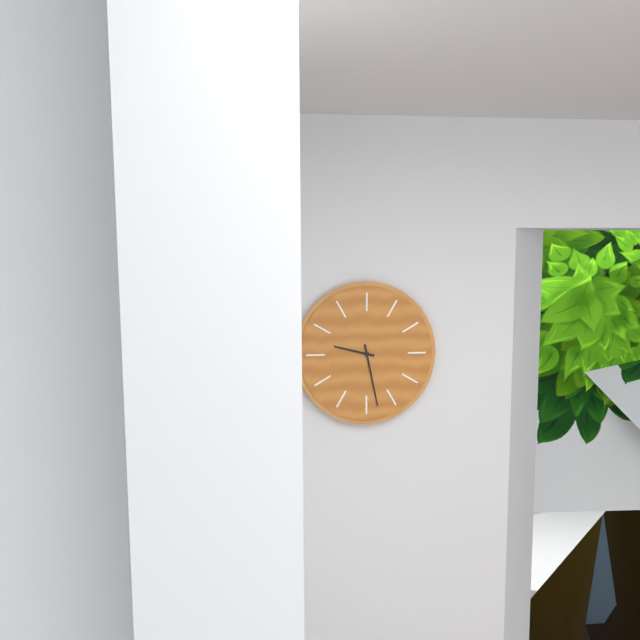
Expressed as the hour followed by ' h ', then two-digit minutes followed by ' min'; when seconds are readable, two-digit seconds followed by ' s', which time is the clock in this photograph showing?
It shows 9 h 28 min
